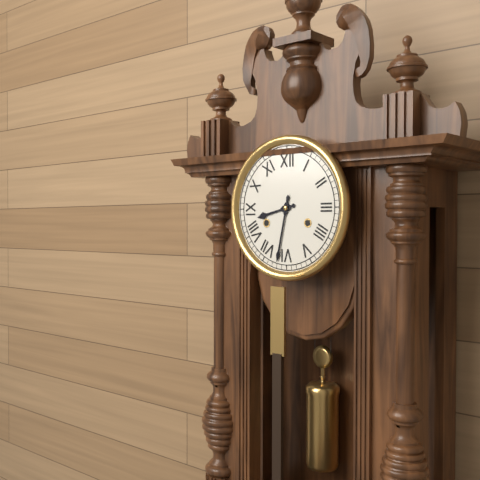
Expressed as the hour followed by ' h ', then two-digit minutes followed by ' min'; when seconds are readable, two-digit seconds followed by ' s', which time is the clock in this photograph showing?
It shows 8 h 32 min
